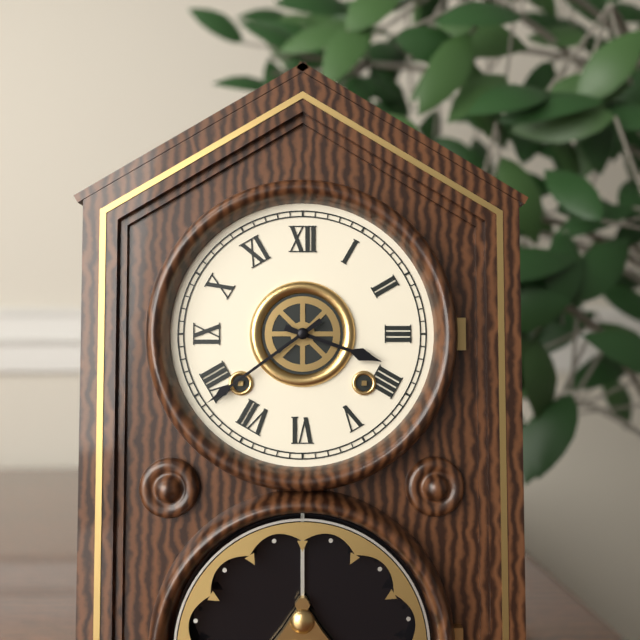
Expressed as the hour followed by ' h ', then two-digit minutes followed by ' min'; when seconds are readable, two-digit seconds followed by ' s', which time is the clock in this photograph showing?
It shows 3 h 39 min
